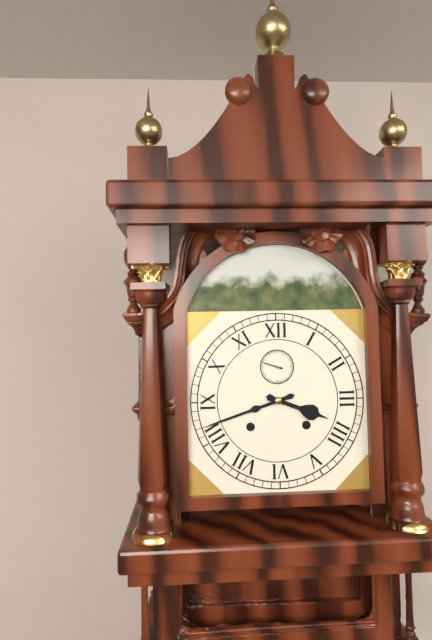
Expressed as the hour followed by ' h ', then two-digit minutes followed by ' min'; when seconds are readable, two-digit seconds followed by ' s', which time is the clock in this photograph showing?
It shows 3 h 42 min
